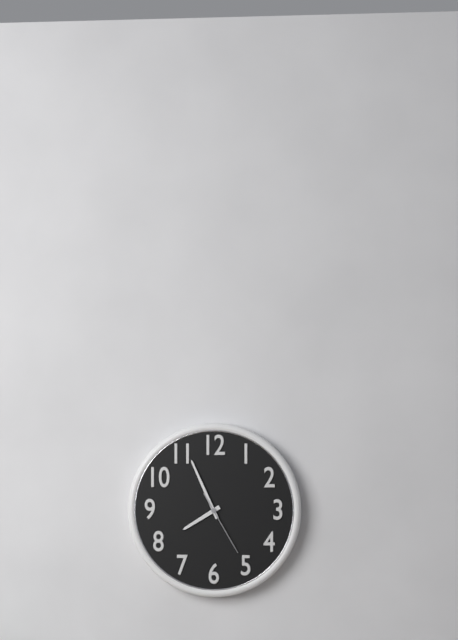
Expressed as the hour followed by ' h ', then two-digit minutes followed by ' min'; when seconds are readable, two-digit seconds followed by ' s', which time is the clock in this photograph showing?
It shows 7 h 56 min 25 s
